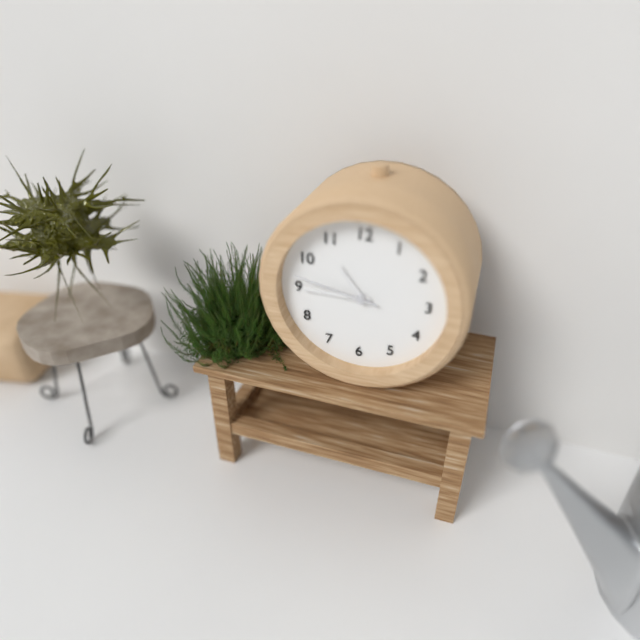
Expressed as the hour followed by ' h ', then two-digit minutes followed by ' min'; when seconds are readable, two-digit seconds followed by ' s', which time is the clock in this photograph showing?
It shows 10 h 45 min 47 s
